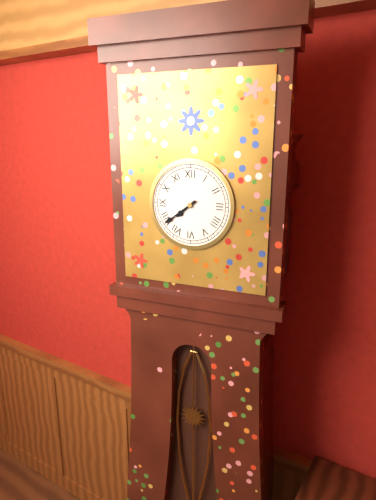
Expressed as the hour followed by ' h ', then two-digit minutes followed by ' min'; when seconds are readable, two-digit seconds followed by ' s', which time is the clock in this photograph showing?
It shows 7 h 39 min
